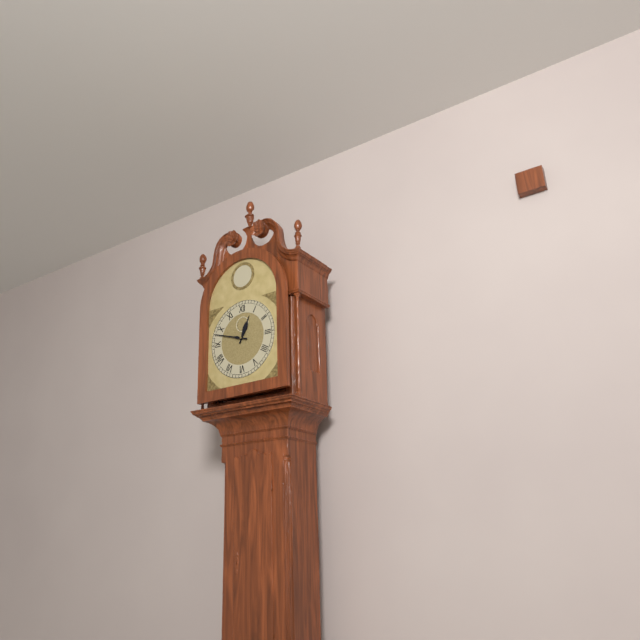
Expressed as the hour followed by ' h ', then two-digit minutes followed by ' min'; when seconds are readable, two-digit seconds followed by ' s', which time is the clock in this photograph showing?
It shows 12 h 48 min
